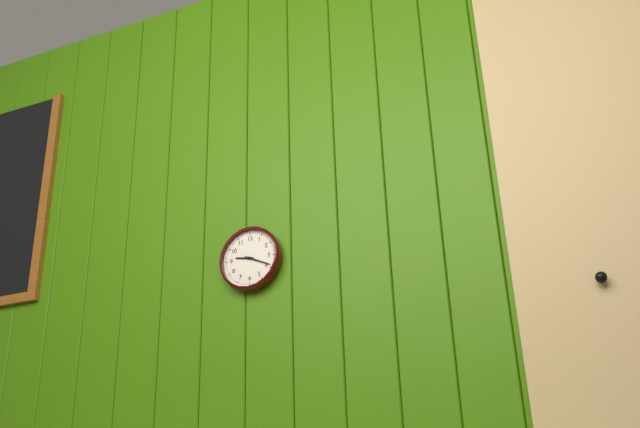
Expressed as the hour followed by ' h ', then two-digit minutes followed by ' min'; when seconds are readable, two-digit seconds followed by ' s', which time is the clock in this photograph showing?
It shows 9 h 19 min
